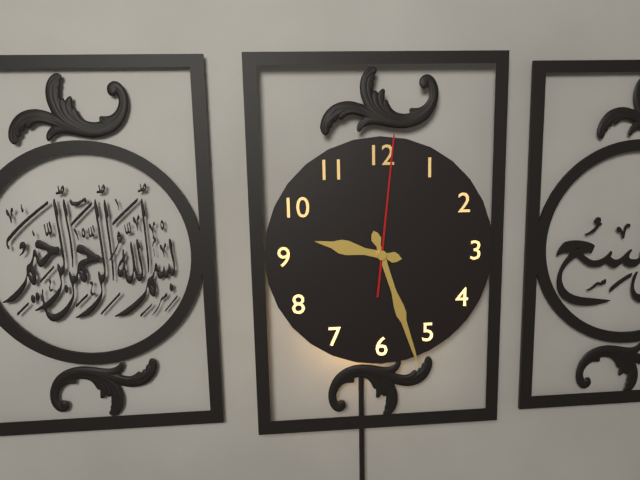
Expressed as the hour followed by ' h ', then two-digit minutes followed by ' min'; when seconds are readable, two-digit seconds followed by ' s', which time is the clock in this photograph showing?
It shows 9 h 27 min 01 s
